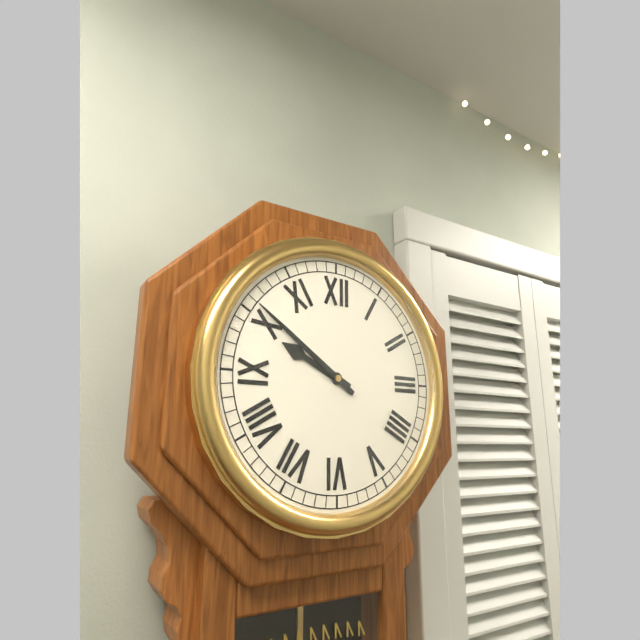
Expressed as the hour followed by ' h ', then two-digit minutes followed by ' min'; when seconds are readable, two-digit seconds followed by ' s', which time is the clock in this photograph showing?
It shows 9 h 51 min
